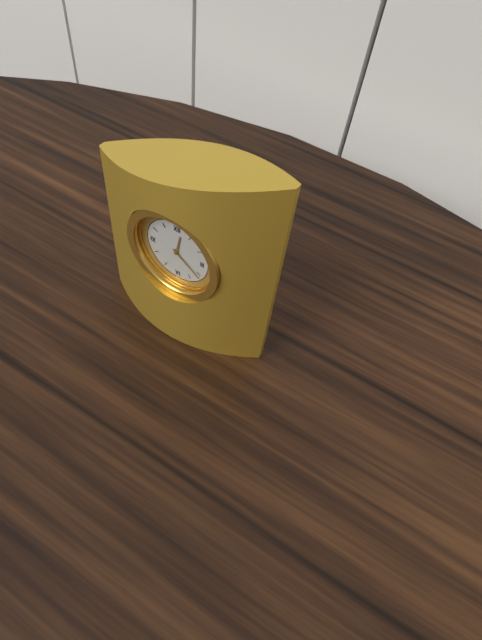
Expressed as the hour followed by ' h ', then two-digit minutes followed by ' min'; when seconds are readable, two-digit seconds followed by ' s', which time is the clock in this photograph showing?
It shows 12 h 21 min
